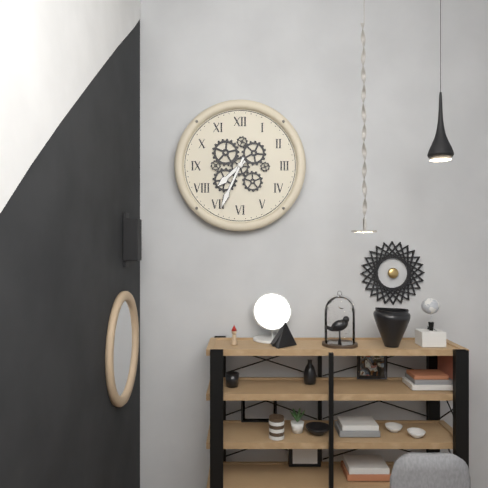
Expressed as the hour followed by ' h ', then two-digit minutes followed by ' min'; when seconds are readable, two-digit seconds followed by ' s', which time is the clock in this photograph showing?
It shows 7 h 34 min
